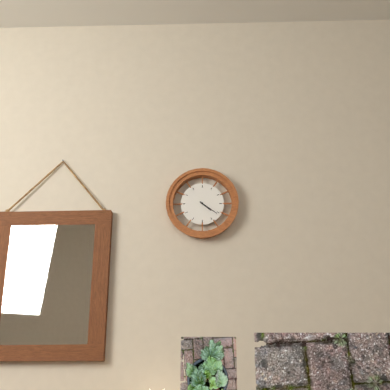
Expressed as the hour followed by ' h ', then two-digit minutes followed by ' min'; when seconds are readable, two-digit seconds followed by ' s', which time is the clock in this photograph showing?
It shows 4 h 21 min
